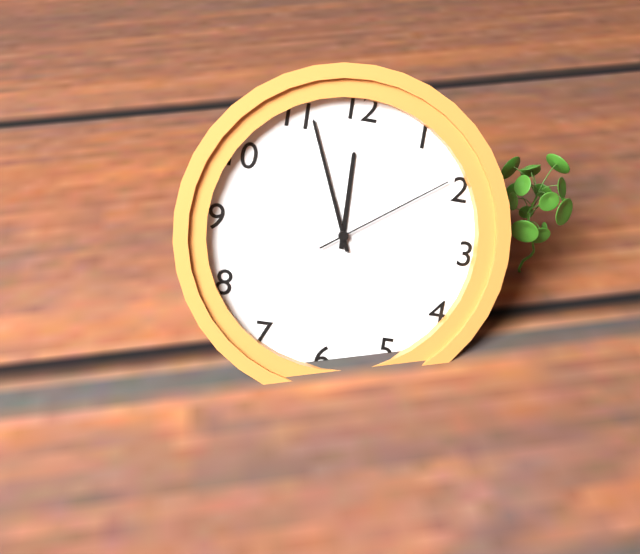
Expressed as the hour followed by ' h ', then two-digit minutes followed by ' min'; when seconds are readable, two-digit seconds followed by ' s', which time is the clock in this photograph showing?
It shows 11 h 56 min 09 s
